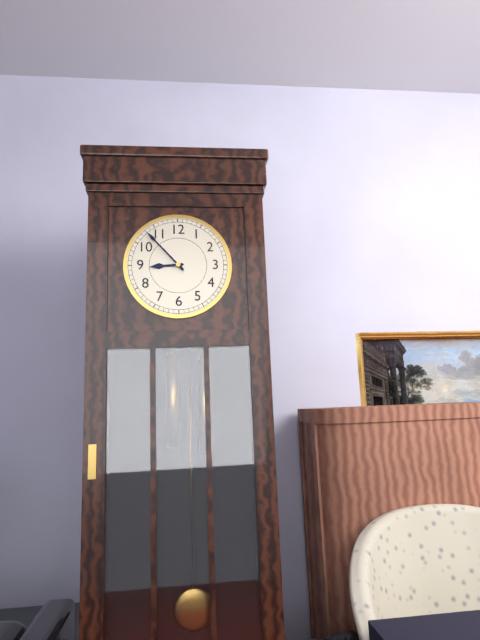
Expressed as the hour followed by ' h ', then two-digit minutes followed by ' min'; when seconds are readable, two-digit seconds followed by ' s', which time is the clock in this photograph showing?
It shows 8 h 53 min
